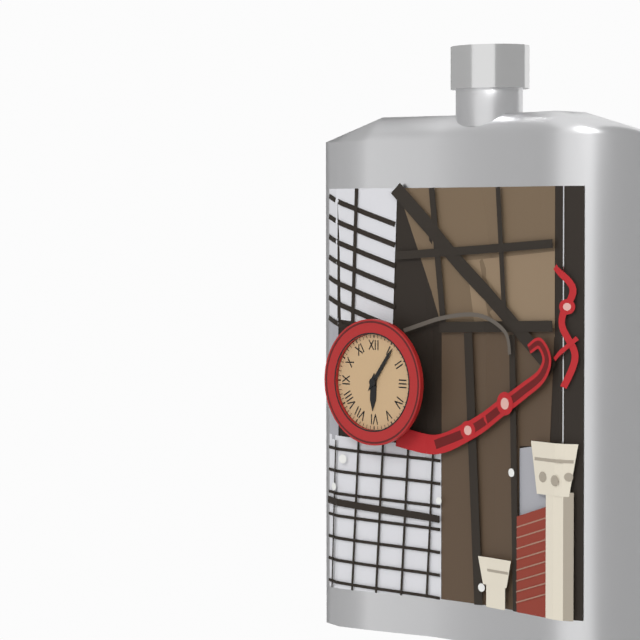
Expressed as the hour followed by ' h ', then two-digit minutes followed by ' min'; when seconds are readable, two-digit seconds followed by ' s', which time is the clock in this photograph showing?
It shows 6 h 06 min
